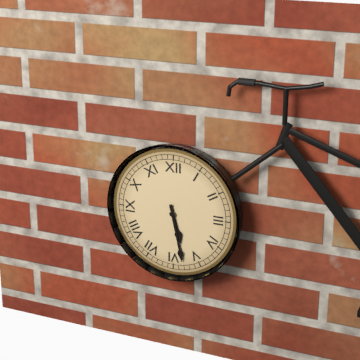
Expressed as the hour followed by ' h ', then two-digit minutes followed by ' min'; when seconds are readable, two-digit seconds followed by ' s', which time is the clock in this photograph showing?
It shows 5 h 28 min
